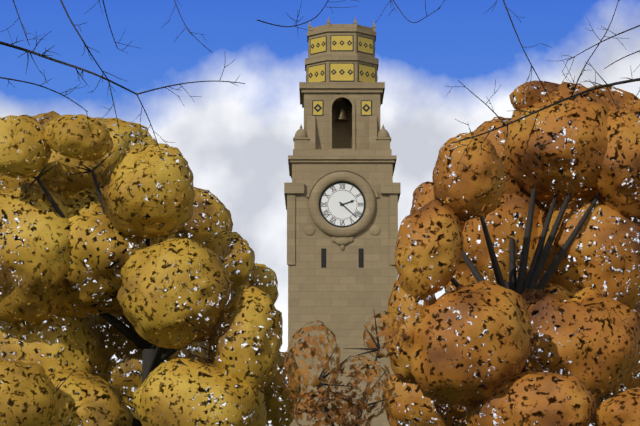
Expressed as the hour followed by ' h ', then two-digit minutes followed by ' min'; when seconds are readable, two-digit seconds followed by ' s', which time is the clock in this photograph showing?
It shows 2 h 22 min
